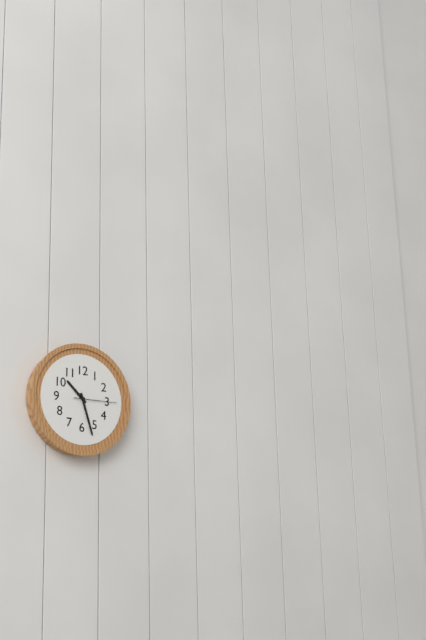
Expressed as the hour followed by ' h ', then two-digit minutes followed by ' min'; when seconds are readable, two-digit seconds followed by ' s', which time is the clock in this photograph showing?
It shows 10 h 27 min
